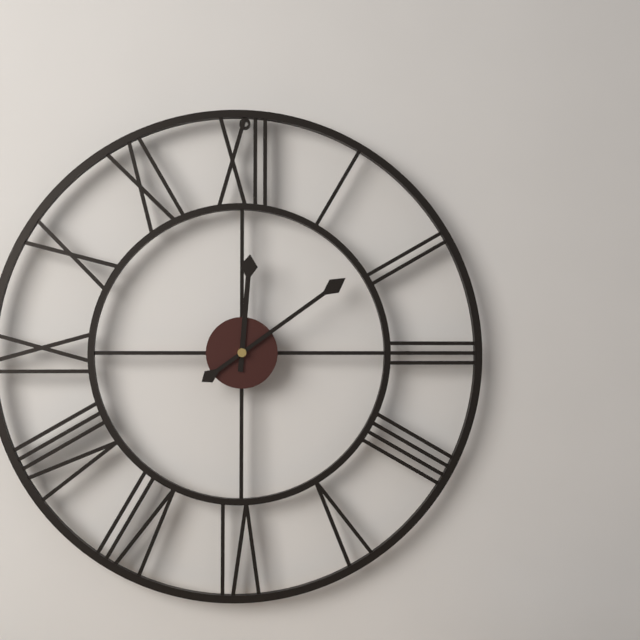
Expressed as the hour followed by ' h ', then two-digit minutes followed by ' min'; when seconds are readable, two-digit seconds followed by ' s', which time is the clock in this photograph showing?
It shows 12 h 09 min
